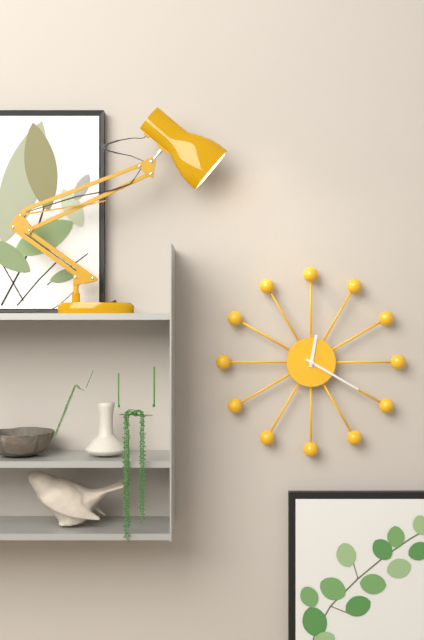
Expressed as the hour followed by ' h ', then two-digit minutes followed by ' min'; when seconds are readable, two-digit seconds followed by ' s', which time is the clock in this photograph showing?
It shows 12 h 20 min
